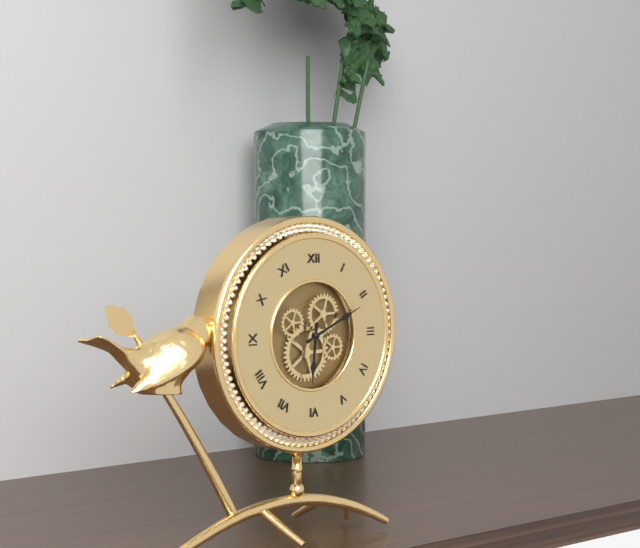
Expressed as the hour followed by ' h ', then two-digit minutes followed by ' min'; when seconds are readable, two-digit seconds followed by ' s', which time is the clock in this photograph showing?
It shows 6 h 11 min
